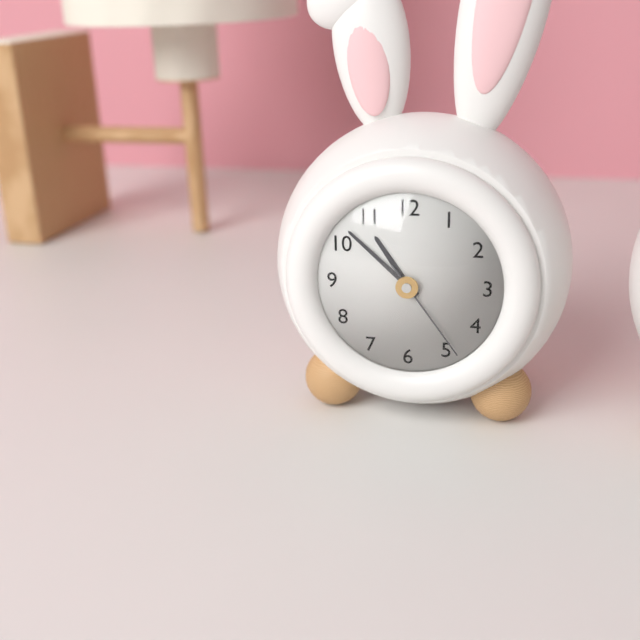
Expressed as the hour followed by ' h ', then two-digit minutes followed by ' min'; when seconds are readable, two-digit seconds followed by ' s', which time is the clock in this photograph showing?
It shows 10 h 52 min 24 s
